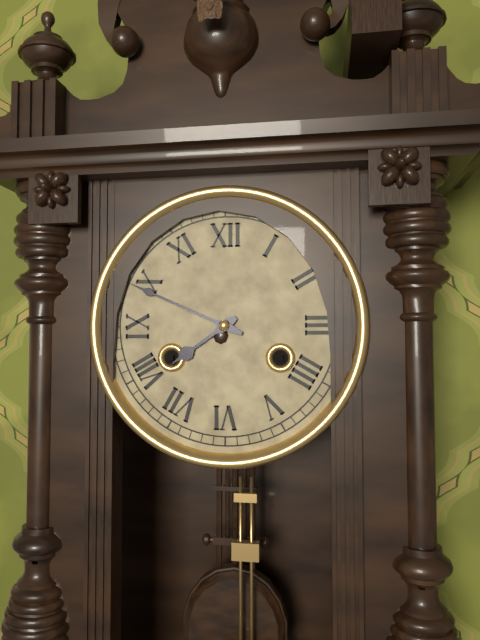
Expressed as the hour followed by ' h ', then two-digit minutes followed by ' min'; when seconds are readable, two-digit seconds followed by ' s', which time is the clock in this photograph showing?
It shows 7 h 49 min
